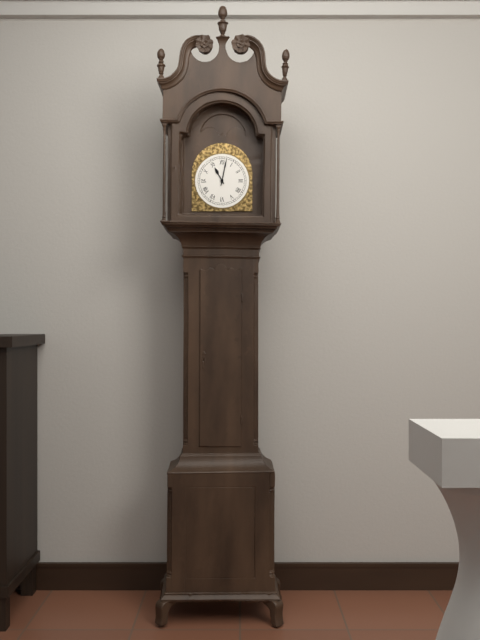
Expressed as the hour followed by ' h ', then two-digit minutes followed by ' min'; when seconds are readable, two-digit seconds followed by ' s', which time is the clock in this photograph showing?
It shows 11 h 02 min
